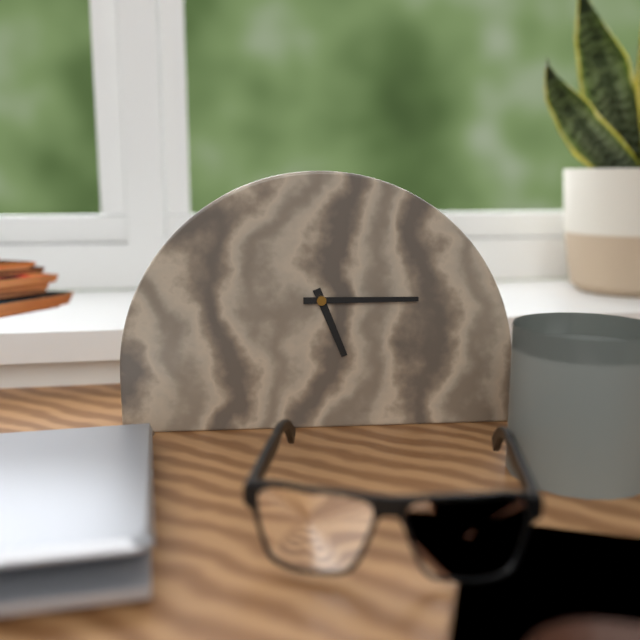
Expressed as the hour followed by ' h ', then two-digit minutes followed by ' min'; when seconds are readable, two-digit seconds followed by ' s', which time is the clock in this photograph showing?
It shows 5 h 15 min
